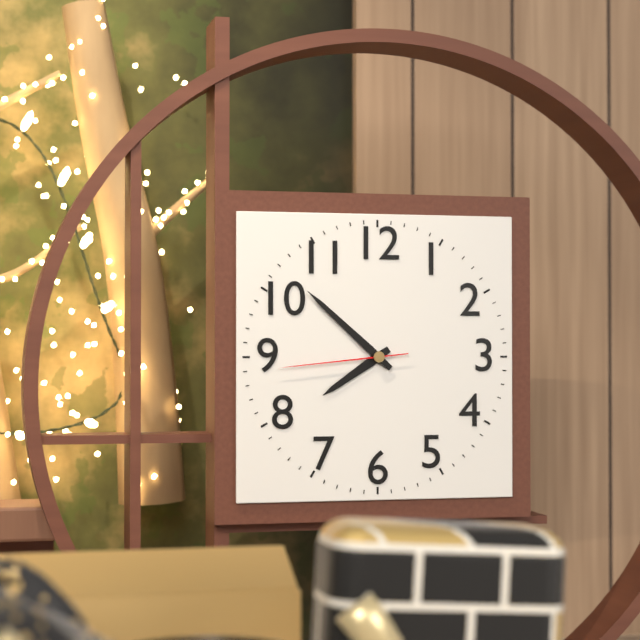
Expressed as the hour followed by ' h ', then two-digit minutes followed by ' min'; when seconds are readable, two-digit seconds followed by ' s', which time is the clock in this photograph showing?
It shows 7 h 52 min 44 s
